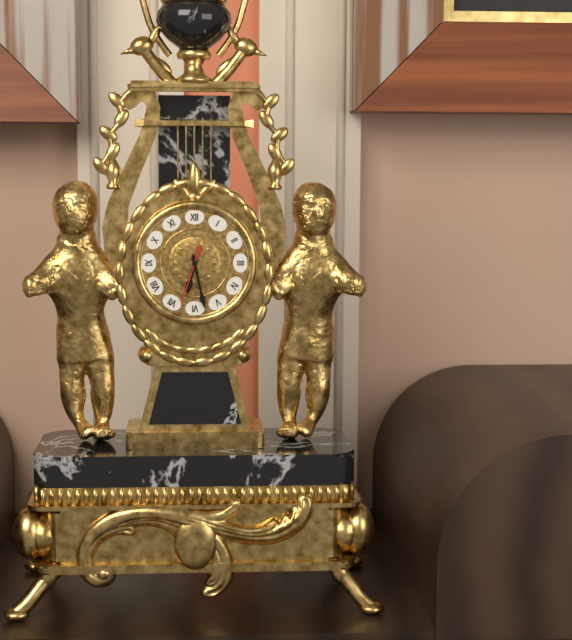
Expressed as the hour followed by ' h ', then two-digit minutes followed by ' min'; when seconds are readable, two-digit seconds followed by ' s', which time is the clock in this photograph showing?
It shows 6 h 28 min 33 s
